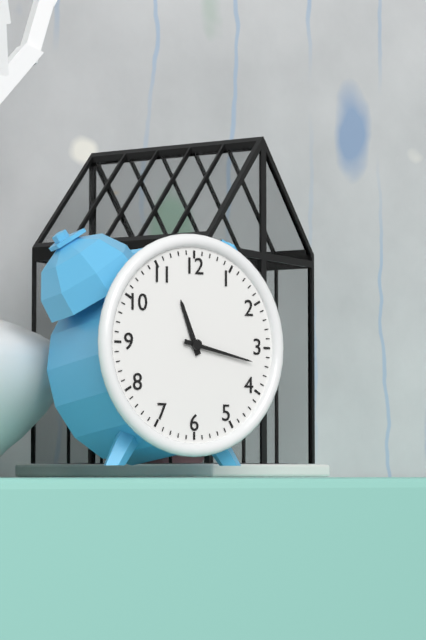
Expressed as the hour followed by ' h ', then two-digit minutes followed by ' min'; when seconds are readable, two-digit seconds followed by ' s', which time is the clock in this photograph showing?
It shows 11 h 17 min
